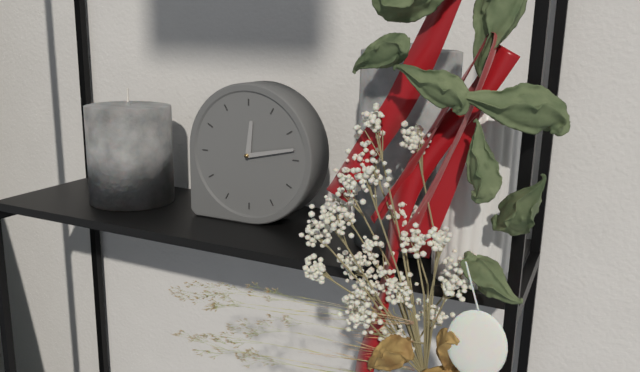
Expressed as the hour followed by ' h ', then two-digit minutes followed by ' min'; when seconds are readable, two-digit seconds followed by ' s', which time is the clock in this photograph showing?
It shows 12 h 13 min
